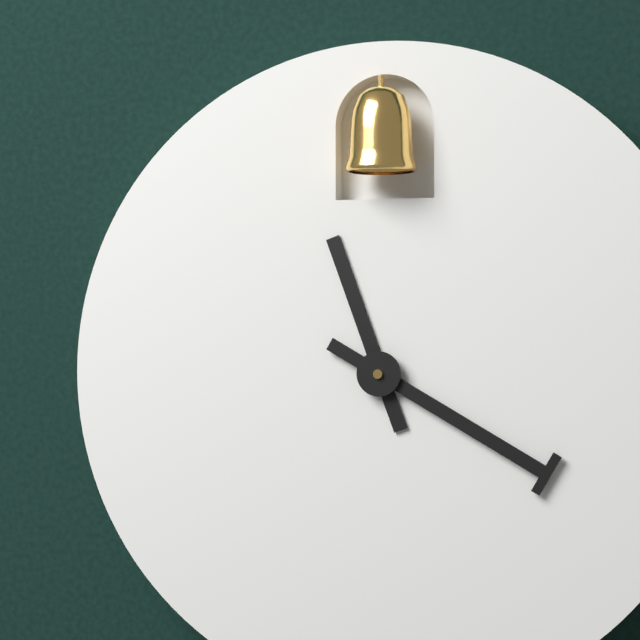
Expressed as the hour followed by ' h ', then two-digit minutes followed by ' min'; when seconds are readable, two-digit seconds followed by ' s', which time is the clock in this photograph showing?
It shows 11 h 20 min
